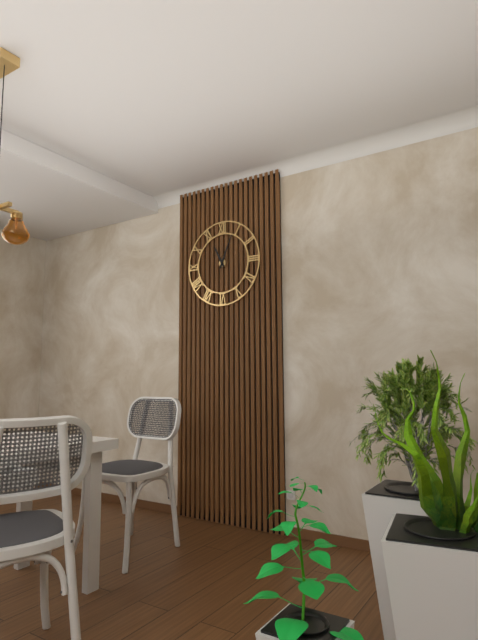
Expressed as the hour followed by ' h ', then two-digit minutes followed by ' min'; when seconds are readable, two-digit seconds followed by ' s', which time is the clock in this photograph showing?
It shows 11 h 04 min
